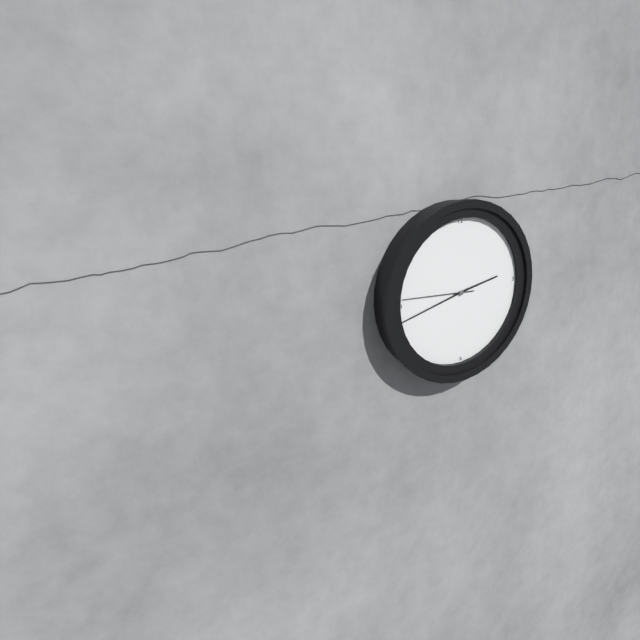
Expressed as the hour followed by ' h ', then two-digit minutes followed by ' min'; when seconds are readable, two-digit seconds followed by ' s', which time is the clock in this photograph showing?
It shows 2 h 43 min 46 s
